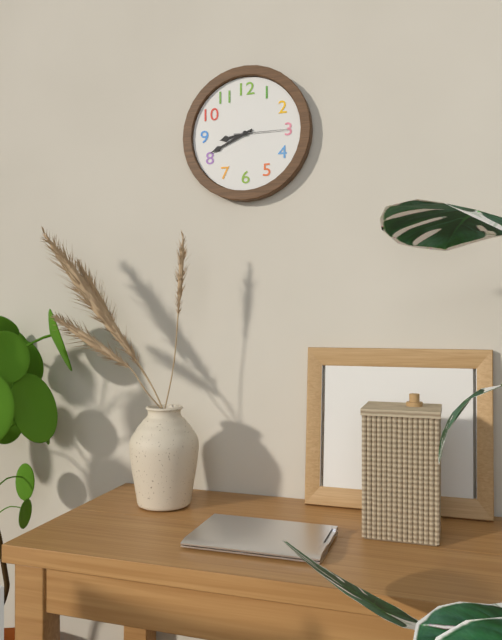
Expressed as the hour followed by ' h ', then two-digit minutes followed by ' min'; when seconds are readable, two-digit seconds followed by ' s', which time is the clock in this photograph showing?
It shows 8 h 41 min 15 s
